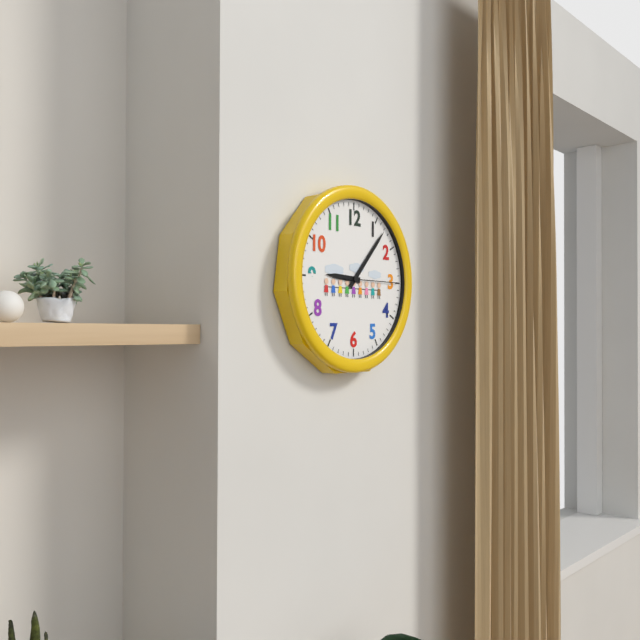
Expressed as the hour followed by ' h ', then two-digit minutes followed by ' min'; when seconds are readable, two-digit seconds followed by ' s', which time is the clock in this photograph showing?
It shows 9 h 07 min 15 s
